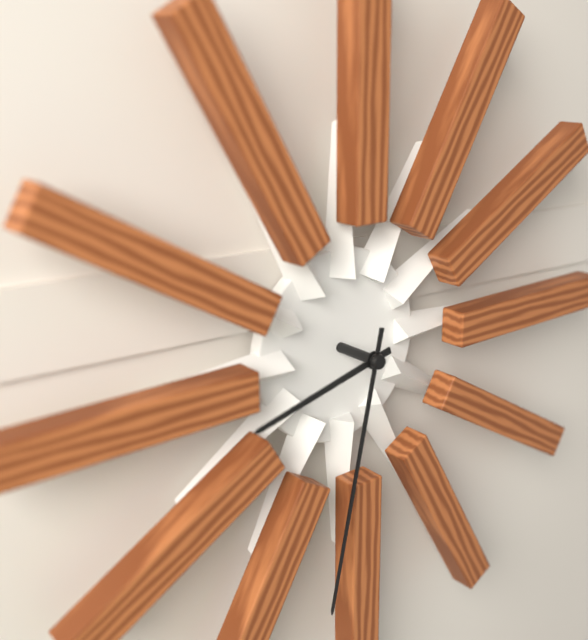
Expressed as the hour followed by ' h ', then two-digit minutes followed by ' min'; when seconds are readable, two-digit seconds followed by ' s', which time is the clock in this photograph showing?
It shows 8 h 32 min
